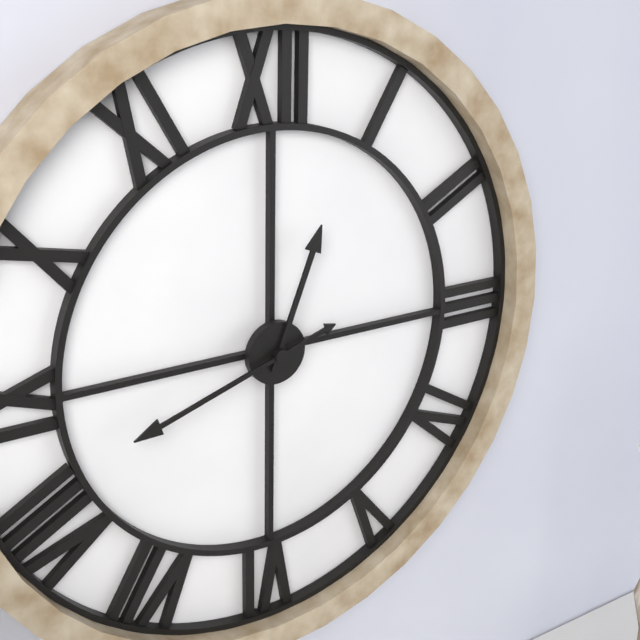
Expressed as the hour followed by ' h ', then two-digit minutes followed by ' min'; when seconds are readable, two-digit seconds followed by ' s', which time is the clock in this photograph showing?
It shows 12 h 42 min
